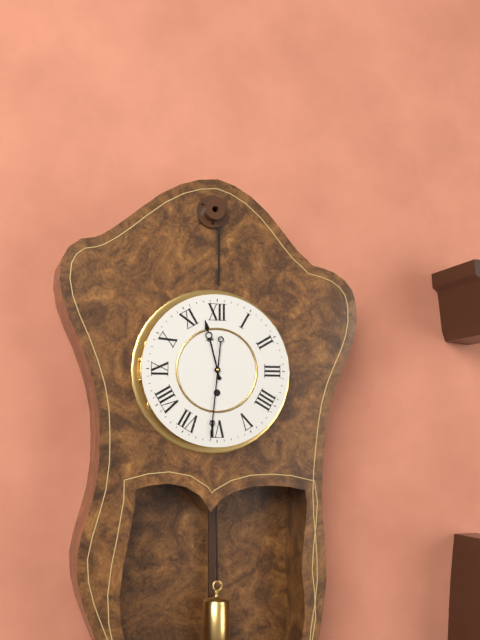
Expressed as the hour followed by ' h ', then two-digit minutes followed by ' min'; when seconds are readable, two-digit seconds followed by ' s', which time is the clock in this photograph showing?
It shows 11 h 31 min
